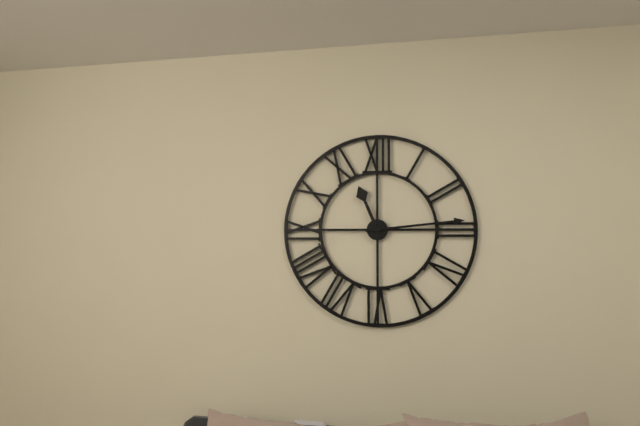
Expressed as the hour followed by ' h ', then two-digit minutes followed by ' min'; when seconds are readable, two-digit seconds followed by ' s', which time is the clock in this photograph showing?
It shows 11 h 14 min
